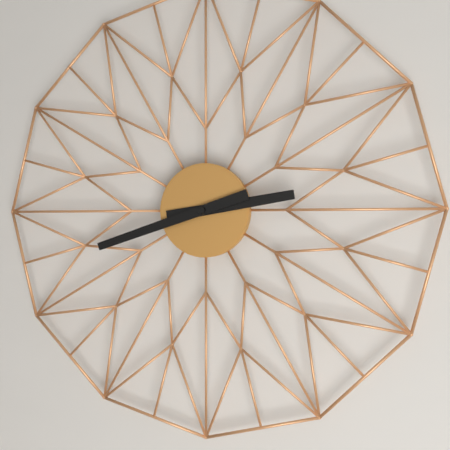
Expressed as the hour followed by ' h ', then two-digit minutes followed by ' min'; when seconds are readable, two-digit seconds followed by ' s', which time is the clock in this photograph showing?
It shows 2 h 42 min
